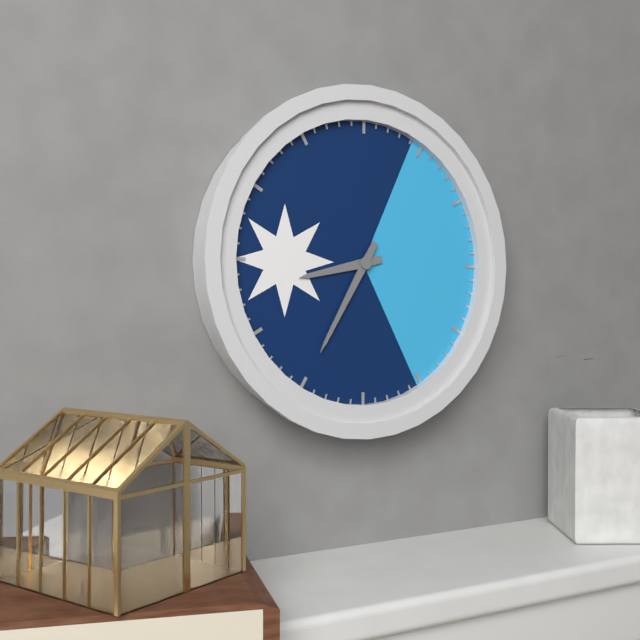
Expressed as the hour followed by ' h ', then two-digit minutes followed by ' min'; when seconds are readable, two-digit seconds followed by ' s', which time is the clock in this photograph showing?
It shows 8 h 35 min
